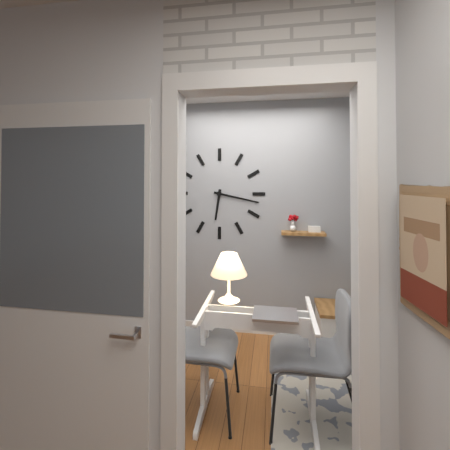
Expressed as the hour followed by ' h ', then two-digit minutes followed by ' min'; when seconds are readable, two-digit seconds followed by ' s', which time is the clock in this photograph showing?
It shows 6 h 17 min
